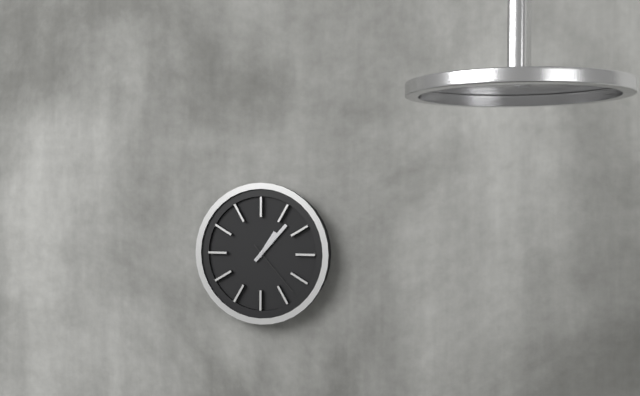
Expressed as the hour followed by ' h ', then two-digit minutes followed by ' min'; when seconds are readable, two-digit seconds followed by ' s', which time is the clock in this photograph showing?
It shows 1 h 07 min 23 s
